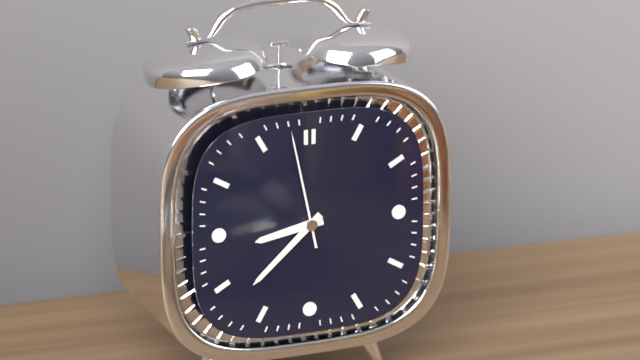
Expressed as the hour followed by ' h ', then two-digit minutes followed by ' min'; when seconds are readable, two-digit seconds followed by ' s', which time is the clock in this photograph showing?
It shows 8 h 38 min 58 s
